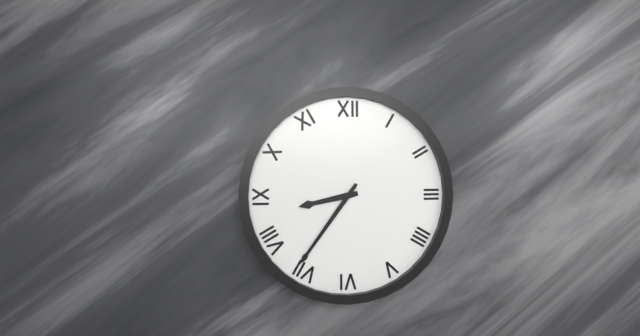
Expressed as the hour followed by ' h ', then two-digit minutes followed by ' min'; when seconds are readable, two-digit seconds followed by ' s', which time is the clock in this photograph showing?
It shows 8 h 36 min
